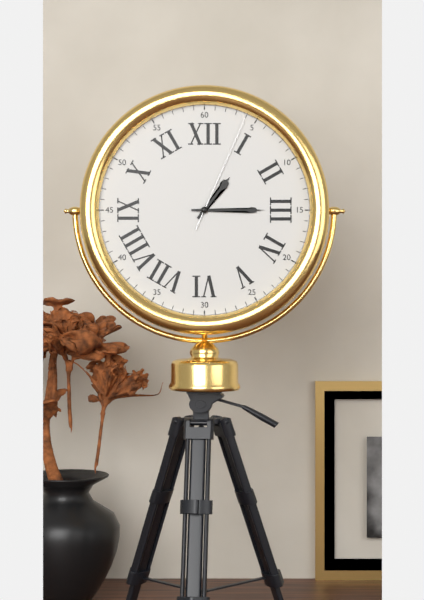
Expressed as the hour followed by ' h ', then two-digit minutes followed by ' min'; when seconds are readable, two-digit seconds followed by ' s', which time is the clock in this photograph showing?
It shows 1 h 15 min 04 s
